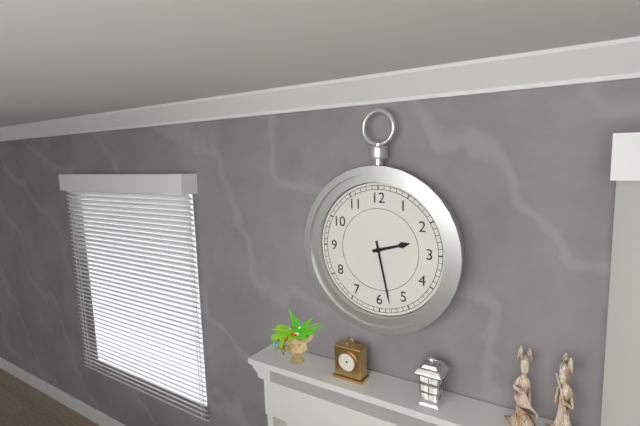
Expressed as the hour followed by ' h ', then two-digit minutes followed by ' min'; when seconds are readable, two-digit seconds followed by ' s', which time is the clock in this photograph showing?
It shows 2 h 28 min
